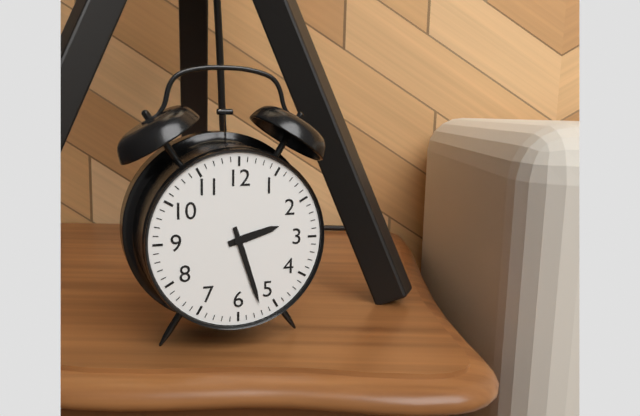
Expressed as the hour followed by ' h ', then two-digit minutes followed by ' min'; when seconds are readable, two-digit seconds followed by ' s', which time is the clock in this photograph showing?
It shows 2 h 27 min
